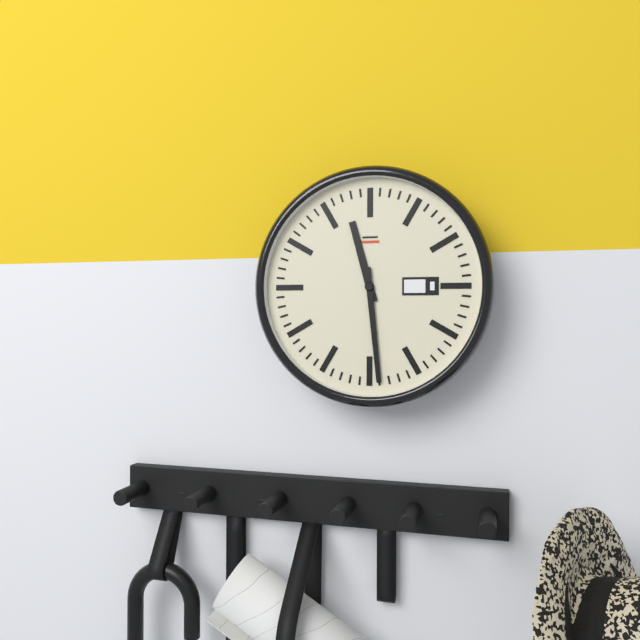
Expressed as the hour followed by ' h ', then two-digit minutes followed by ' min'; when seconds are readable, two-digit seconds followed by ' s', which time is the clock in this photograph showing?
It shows 11 h 29 min
